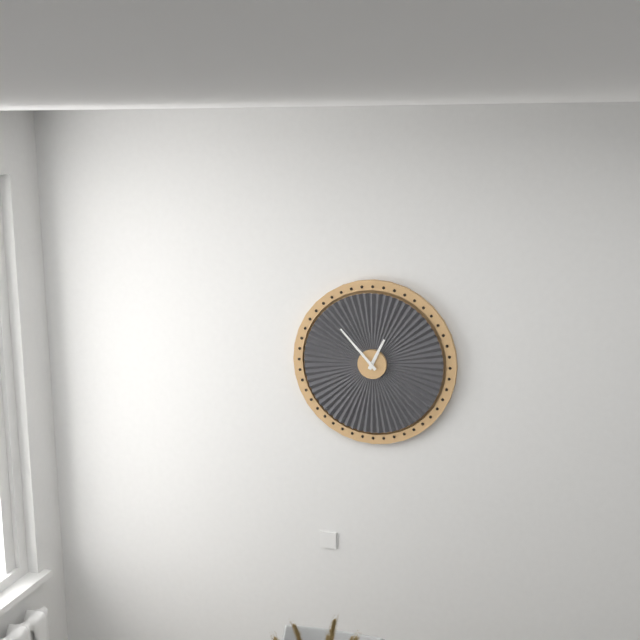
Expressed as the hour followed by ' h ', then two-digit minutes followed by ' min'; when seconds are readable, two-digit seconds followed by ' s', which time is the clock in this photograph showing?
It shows 12 h 53 min
